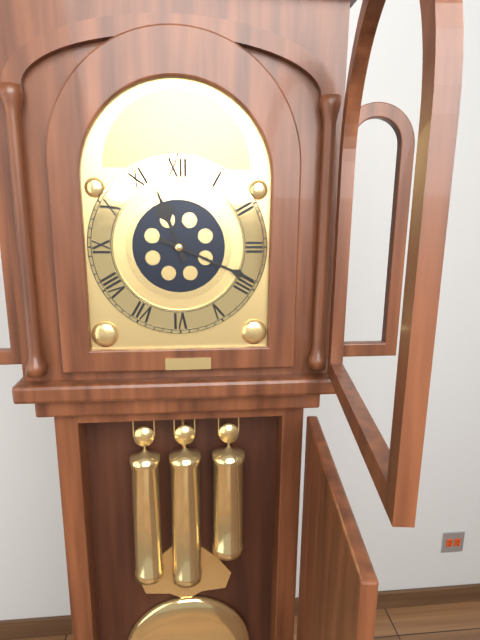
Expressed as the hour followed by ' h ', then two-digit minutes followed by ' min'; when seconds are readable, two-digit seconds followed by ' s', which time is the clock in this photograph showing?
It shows 11 h 19 min
